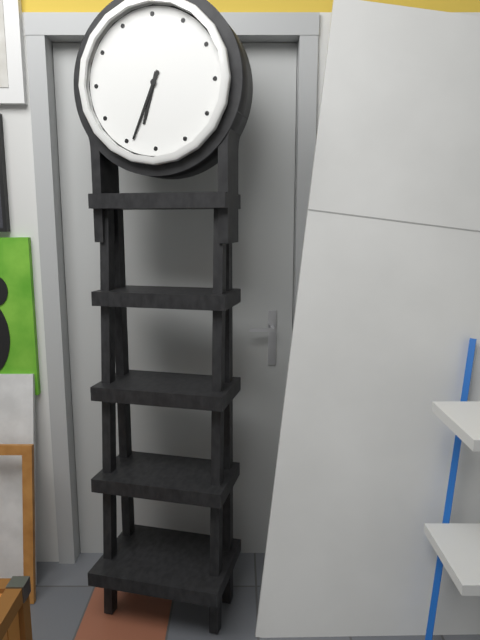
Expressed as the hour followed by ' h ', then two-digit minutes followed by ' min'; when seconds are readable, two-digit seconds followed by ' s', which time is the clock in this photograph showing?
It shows 6 h 34 min
